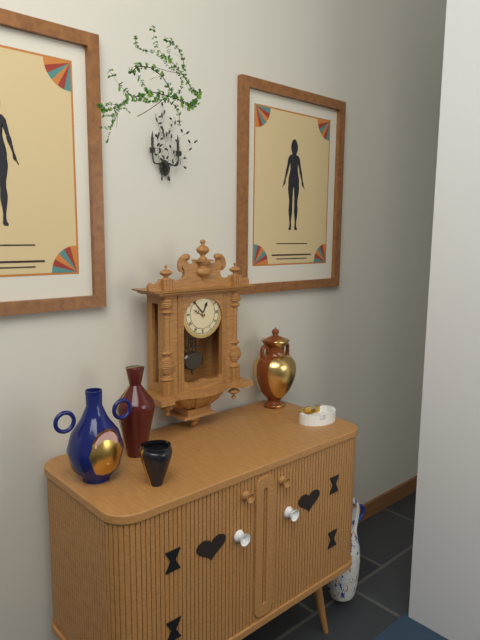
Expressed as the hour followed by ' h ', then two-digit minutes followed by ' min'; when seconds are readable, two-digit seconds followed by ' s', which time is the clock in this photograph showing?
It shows 12 h 53 min
